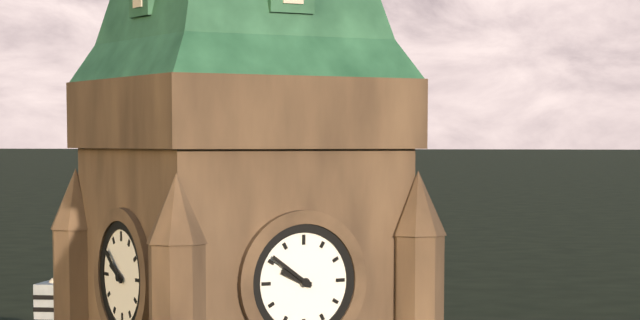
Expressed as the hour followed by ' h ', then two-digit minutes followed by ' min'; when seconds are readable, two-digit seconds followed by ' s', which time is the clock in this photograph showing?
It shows 9 h 51 min
